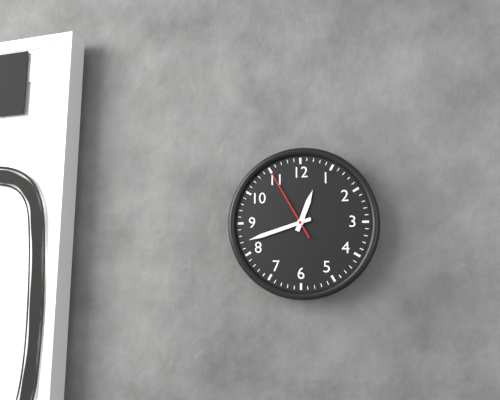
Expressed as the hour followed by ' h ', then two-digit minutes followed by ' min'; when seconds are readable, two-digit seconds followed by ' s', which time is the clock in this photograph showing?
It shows 12 h 42 min 55 s
